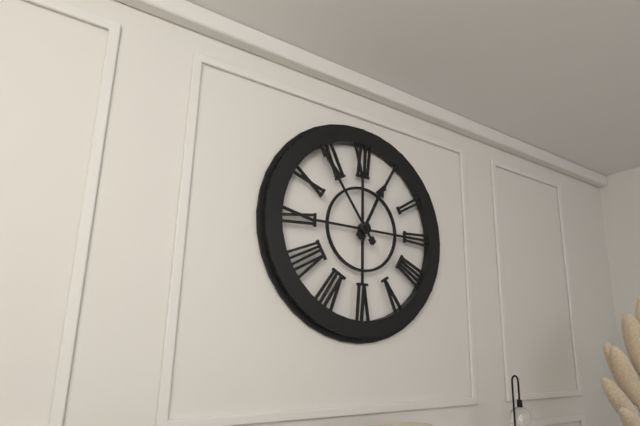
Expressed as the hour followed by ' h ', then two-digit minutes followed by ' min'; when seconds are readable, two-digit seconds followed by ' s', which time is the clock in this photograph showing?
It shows 12 h 54 min
